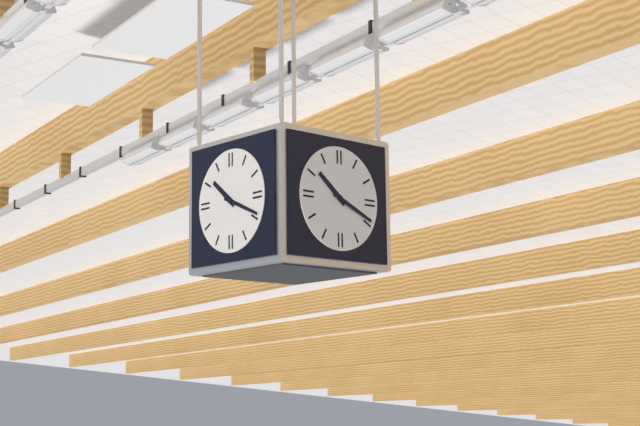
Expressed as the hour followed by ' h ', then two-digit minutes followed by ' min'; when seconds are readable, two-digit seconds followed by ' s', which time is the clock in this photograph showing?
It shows 10 h 19 min
